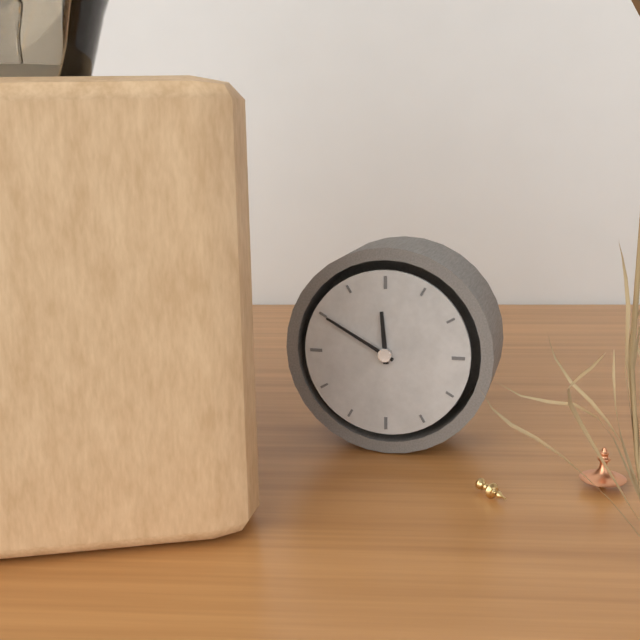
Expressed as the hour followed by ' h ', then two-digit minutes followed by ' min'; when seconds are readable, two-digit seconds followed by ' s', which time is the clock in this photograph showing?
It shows 11 h 50 min
